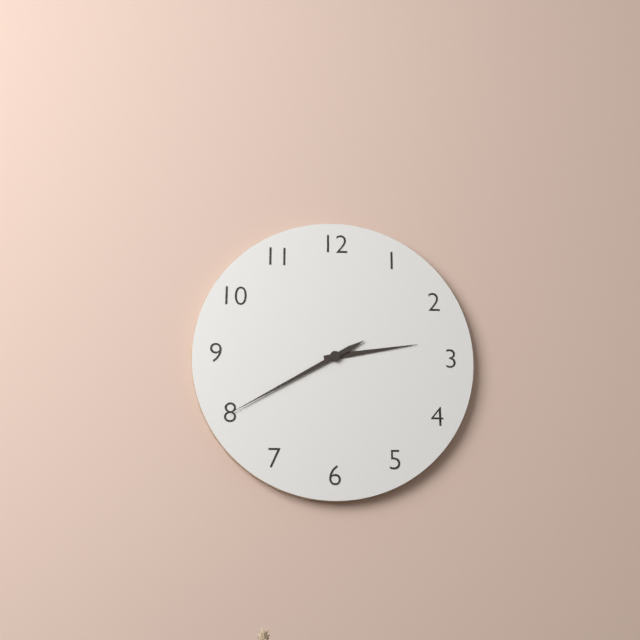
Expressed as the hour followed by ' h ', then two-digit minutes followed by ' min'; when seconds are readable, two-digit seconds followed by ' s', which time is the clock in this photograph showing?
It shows 2 h 40 min
